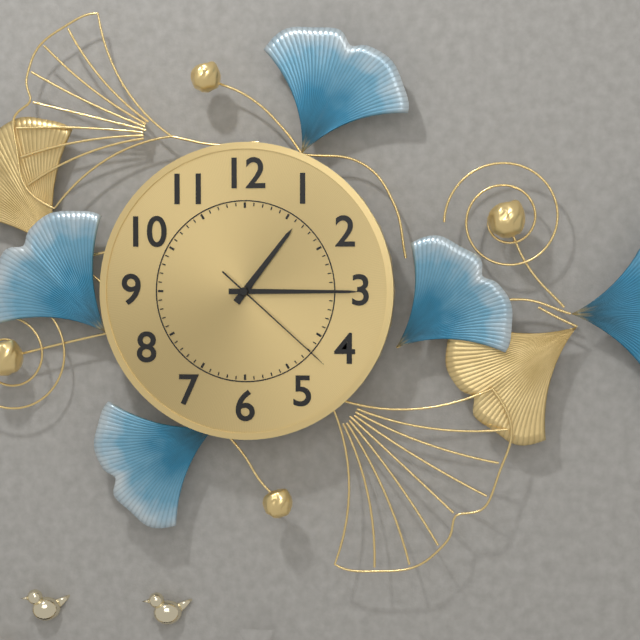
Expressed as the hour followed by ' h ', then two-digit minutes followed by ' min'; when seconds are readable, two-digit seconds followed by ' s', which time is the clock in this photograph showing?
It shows 1 h 15 min 22 s
